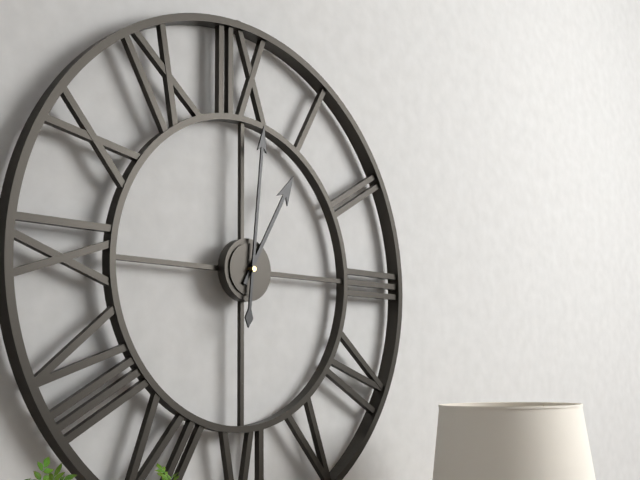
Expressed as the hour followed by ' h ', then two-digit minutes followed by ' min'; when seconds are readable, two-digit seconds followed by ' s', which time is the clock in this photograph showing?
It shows 1 h 01 min
